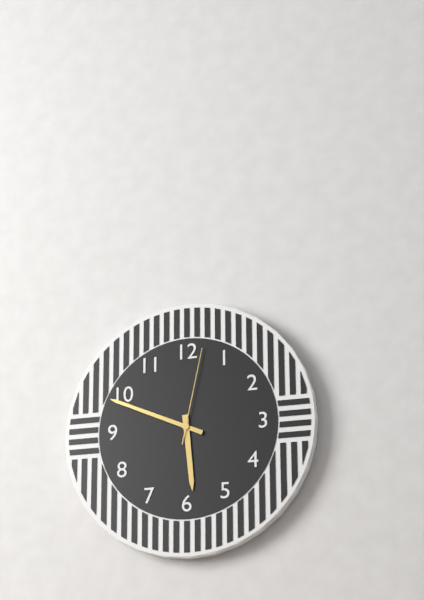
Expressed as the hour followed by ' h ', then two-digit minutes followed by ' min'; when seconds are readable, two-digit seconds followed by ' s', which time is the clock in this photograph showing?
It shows 5 h 49 min 02 s
